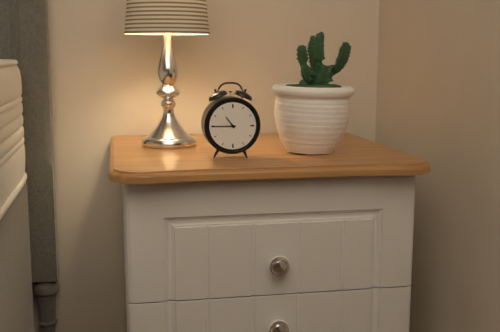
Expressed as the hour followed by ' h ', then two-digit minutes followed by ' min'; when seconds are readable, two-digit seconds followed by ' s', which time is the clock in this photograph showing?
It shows 10 h 45 min
